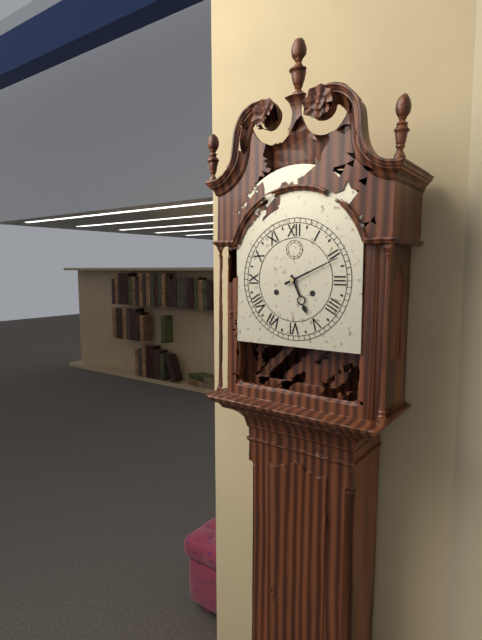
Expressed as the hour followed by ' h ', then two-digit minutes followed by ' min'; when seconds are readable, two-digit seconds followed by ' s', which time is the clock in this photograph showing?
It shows 5 h 11 min
